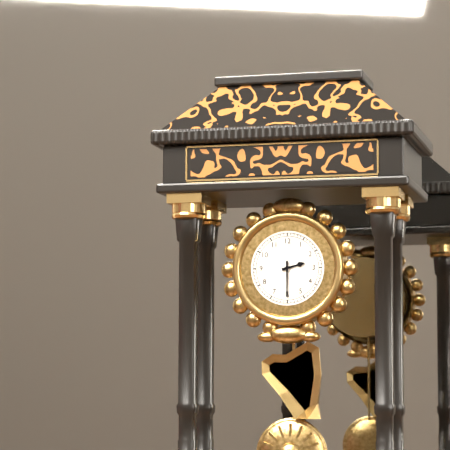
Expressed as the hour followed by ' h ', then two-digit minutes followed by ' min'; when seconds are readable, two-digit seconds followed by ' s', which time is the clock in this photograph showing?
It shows 2 h 30 min
